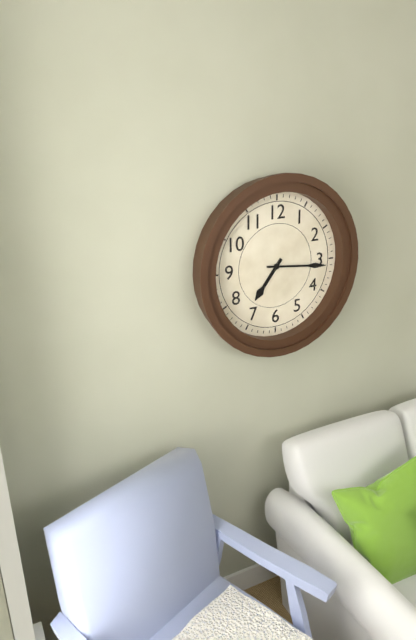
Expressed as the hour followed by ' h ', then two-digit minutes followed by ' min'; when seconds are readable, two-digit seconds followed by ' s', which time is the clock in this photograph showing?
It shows 7 h 16 min
